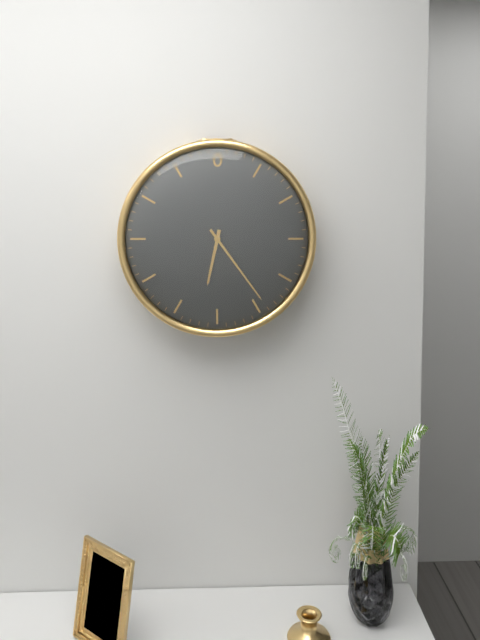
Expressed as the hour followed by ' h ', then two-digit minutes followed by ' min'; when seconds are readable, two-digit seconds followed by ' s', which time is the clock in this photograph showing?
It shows 6 h 24 min
